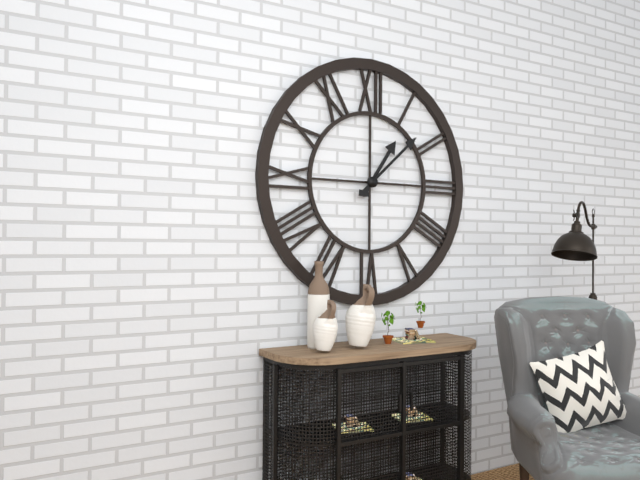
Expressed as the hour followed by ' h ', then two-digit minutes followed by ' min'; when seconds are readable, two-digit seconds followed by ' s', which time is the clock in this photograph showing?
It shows 1 h 08 min
